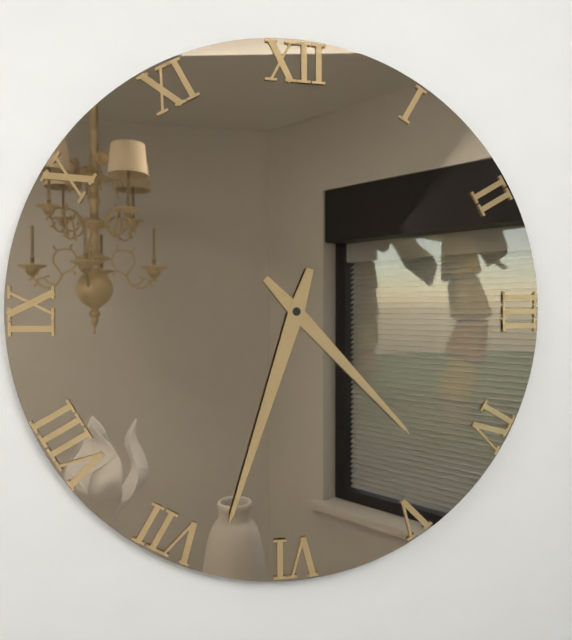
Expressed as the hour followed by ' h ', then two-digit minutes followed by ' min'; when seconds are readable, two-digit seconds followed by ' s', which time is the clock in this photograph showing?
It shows 4 h 33 min
